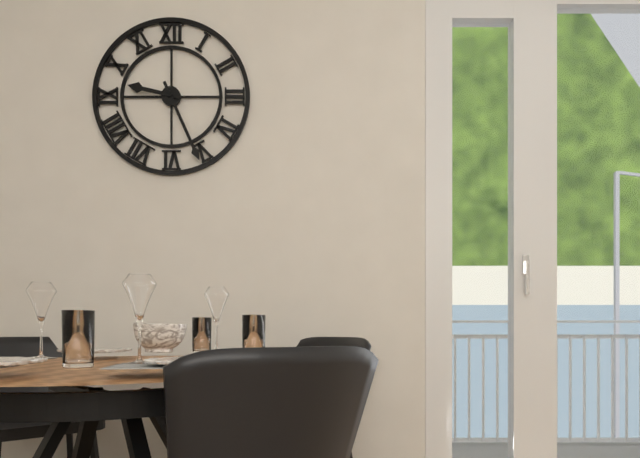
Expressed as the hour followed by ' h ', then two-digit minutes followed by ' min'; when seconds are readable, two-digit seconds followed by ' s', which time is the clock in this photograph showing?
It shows 9 h 26 min
